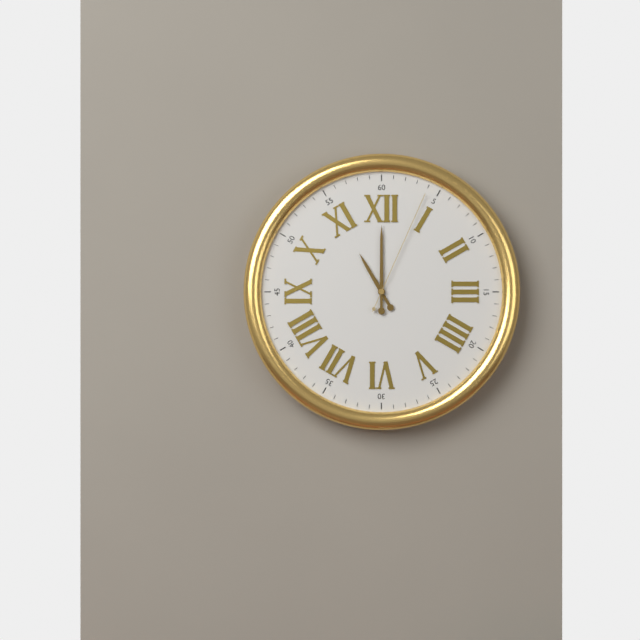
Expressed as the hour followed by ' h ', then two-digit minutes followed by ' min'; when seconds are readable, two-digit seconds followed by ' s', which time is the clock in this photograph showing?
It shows 11 h 00 min 04 s
